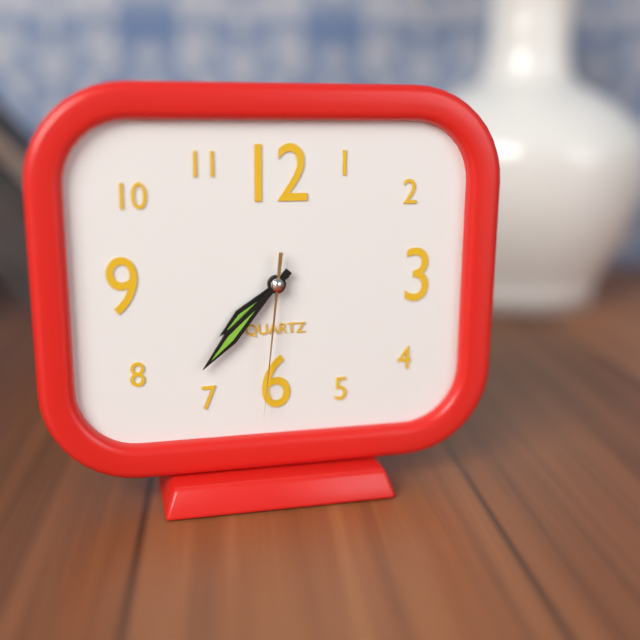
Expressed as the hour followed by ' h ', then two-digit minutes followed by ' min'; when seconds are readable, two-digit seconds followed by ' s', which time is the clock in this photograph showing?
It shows 7 h 37 min 31 s
